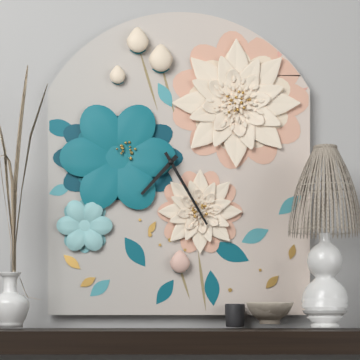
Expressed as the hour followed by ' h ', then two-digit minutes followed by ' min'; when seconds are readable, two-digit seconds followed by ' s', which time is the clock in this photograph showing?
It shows 7 h 25 min
